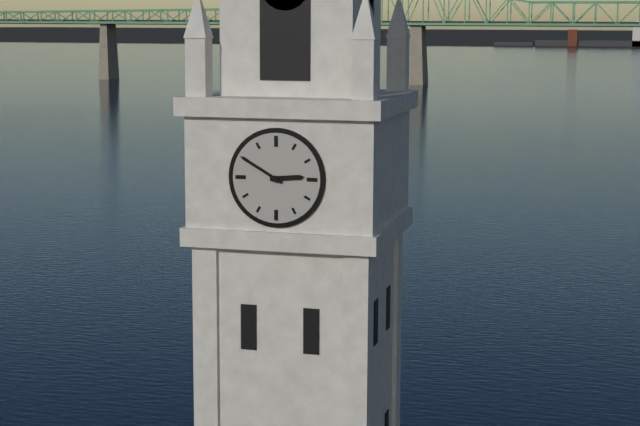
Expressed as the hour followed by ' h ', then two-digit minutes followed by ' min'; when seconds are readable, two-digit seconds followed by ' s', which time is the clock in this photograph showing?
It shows 2 h 50 min
